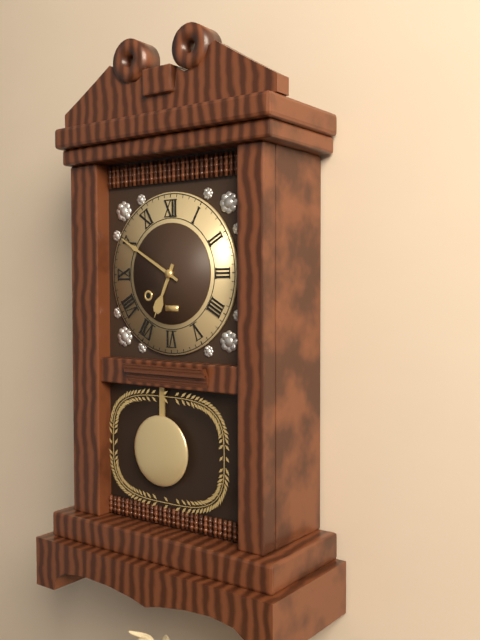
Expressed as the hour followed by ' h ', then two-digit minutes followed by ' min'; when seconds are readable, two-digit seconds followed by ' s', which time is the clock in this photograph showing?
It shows 6 h 50 min
